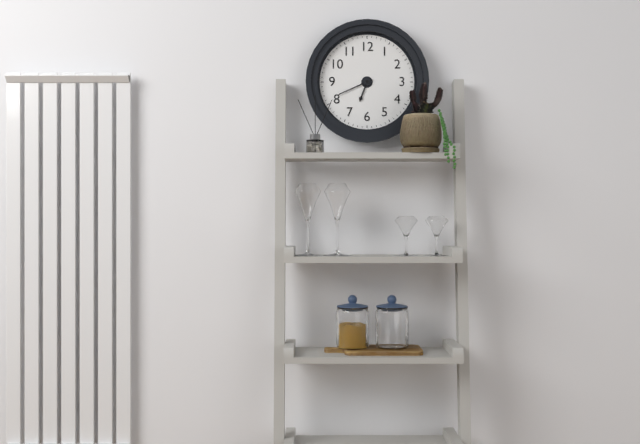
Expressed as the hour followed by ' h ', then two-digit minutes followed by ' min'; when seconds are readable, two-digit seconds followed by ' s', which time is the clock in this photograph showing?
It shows 6 h 41 min
